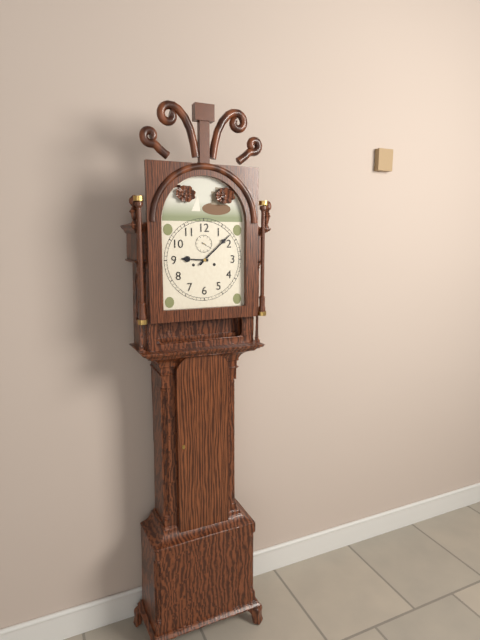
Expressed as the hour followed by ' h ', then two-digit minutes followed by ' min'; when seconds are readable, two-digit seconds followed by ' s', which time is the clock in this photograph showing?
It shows 9 h 08 min
